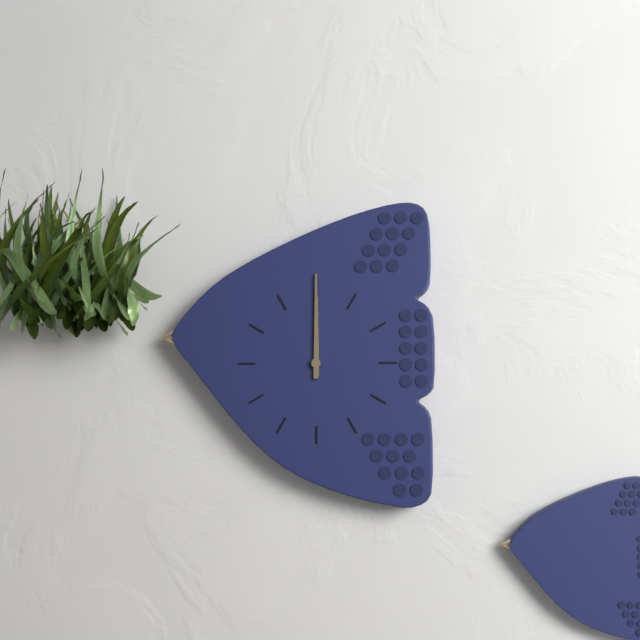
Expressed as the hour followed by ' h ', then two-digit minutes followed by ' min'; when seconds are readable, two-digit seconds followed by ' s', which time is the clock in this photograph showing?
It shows 12 h 00 min
